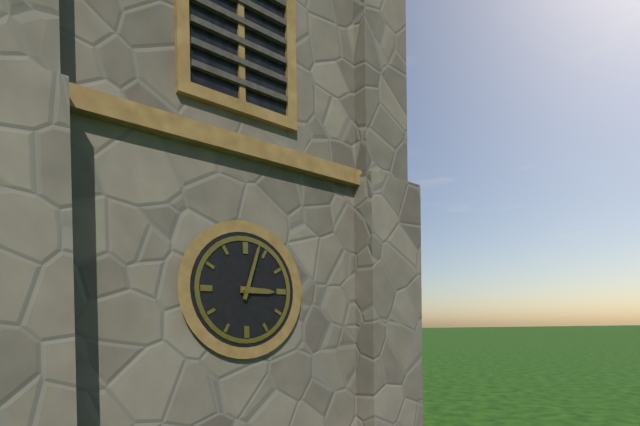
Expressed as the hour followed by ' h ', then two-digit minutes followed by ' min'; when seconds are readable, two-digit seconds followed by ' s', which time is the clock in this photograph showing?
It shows 3 h 03 min
